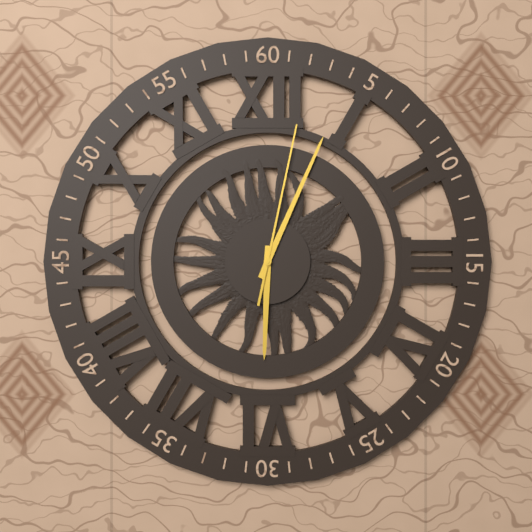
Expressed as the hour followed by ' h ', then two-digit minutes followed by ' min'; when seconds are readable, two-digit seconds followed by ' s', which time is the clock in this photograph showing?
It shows 6 h 04 min 02 s
